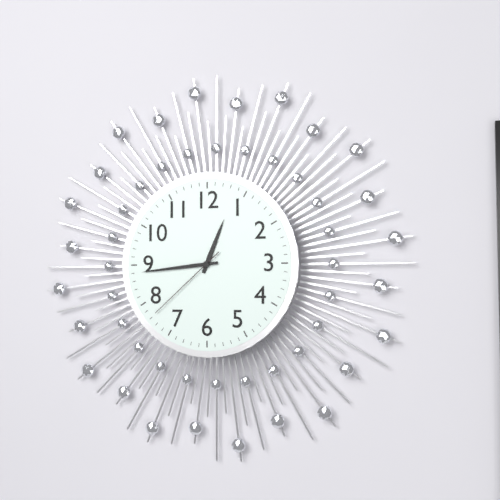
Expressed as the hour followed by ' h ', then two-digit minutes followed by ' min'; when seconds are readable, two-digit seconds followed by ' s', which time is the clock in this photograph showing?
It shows 12 h 44 min 38 s
